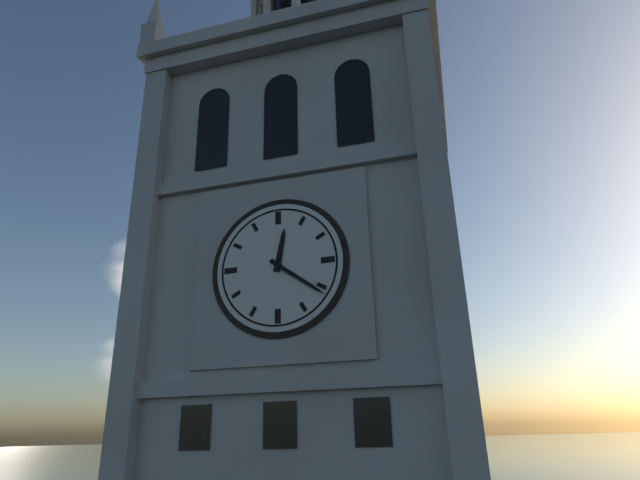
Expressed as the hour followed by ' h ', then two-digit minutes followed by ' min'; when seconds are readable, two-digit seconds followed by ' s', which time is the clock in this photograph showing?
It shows 12 h 21 min
